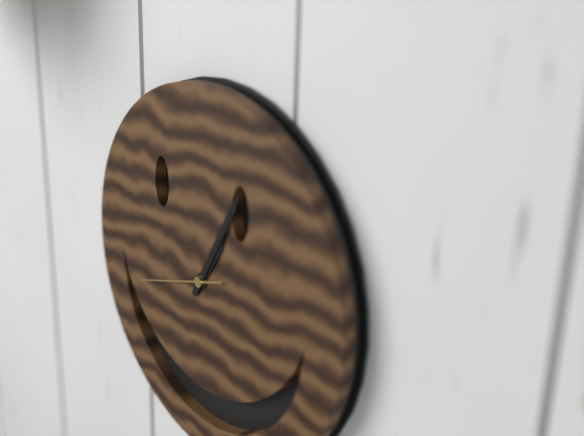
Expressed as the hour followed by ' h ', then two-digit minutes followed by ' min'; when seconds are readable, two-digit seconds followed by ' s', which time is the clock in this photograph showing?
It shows 1 h 05 min 42 s
